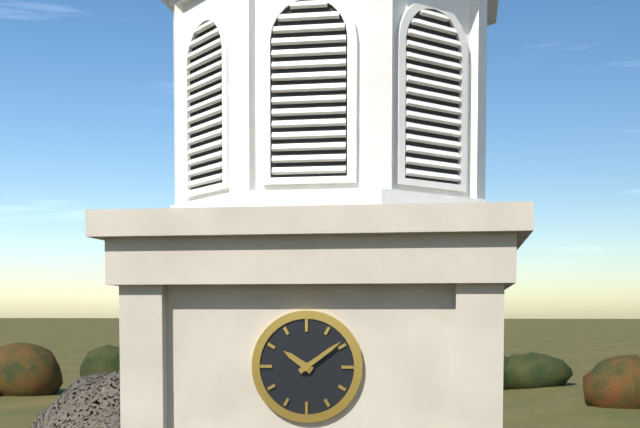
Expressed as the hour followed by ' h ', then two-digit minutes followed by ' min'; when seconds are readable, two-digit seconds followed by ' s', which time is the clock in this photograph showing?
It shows 10 h 09 min
